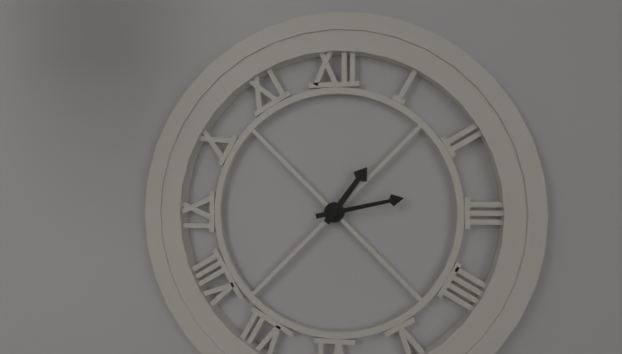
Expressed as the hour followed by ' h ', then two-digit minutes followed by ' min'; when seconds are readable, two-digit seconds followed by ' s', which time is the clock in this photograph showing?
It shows 1 h 13 min
